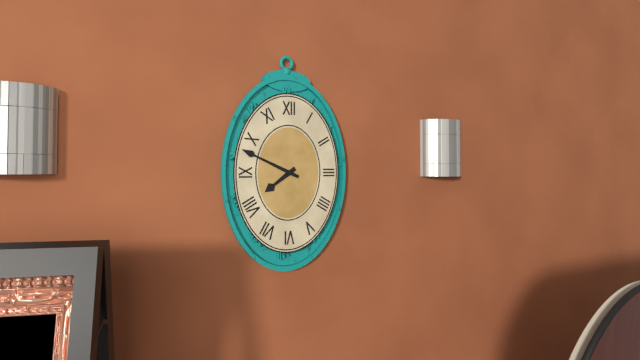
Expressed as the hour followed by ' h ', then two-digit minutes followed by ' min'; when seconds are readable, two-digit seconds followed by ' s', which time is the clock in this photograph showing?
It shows 7 h 49 min
